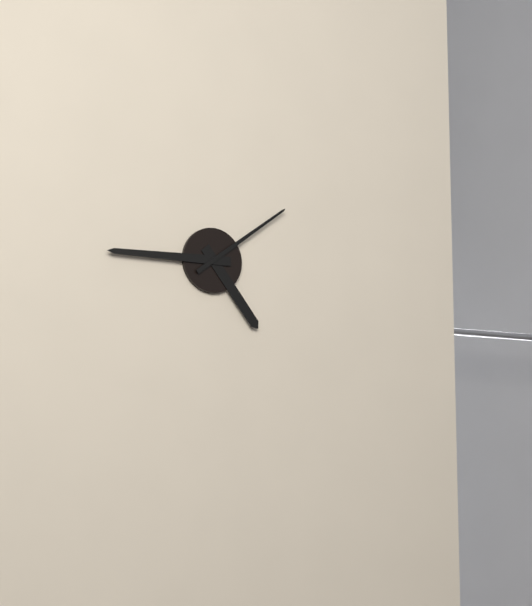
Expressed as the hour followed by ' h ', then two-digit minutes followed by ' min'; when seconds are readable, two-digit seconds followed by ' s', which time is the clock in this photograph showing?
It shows 4 h 45 min 09 s
